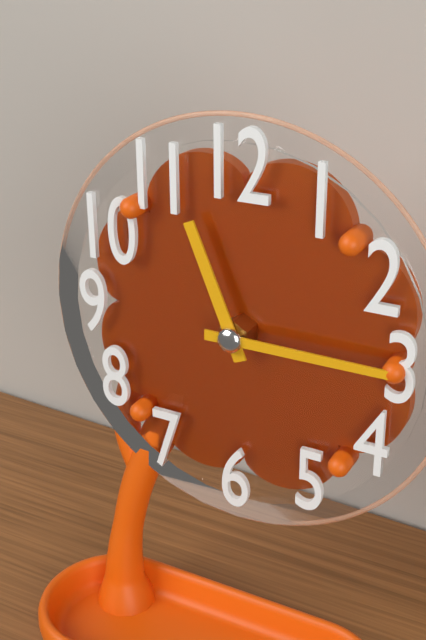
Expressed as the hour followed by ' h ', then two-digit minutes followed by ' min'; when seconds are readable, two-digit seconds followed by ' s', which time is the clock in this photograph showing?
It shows 11 h 15 min
